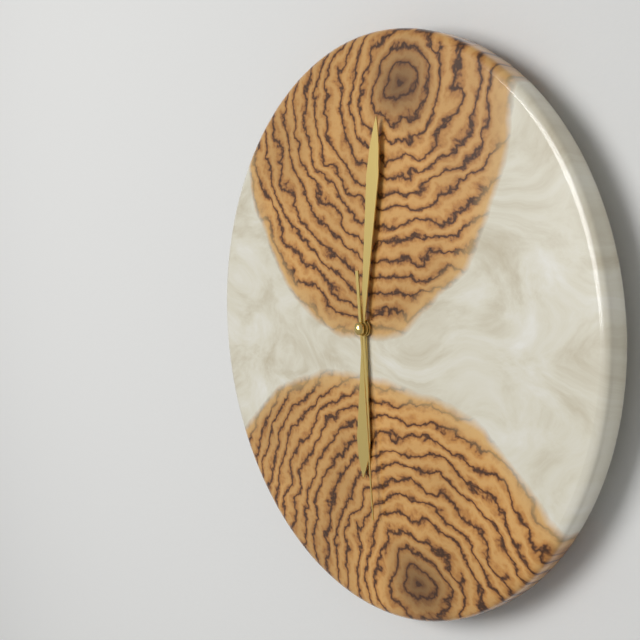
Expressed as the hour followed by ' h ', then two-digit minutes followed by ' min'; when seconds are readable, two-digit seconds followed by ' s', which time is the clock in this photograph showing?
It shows 6 h 01 min 29 s
